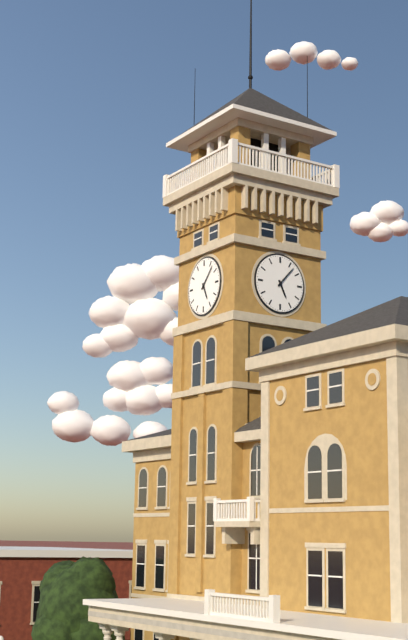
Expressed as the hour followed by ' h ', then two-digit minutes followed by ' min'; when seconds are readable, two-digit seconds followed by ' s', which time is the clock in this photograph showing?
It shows 5 h 07 min
